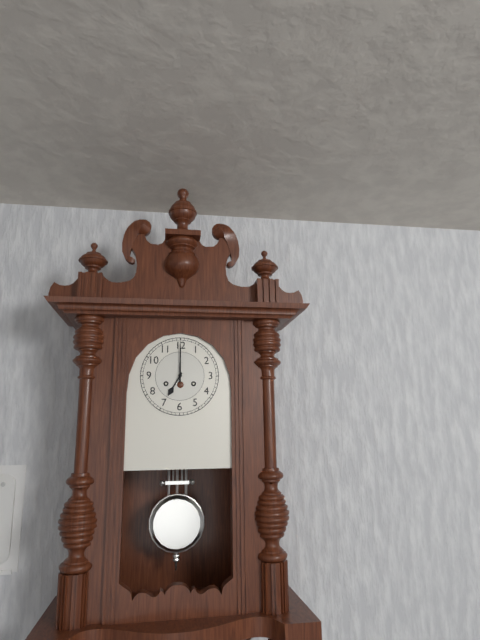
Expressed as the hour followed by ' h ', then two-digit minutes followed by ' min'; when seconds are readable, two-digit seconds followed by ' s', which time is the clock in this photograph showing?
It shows 7 h 00 min
